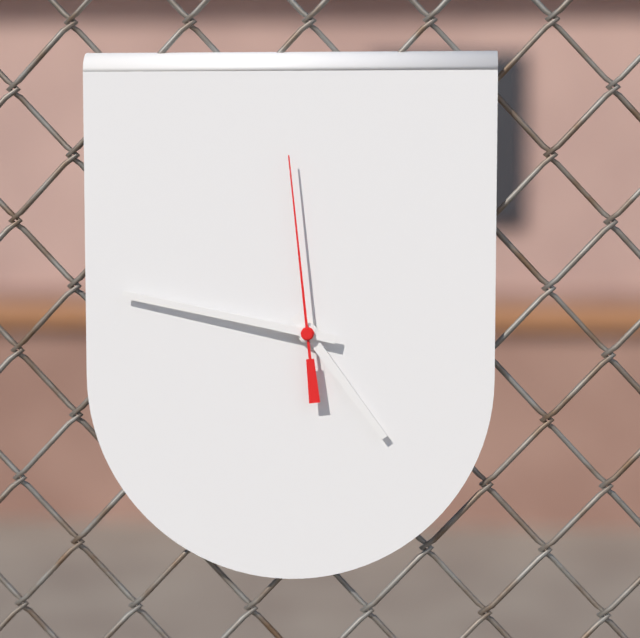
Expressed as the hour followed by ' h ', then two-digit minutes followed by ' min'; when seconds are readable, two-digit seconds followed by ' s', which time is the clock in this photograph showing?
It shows 4 h 47 min 59 s
